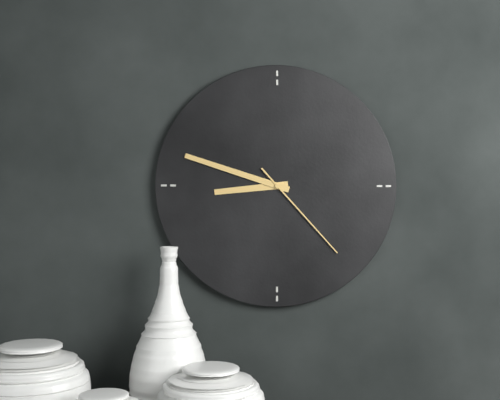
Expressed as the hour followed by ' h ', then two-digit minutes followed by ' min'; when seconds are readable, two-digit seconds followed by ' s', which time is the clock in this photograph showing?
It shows 8 h 48 min 23 s
